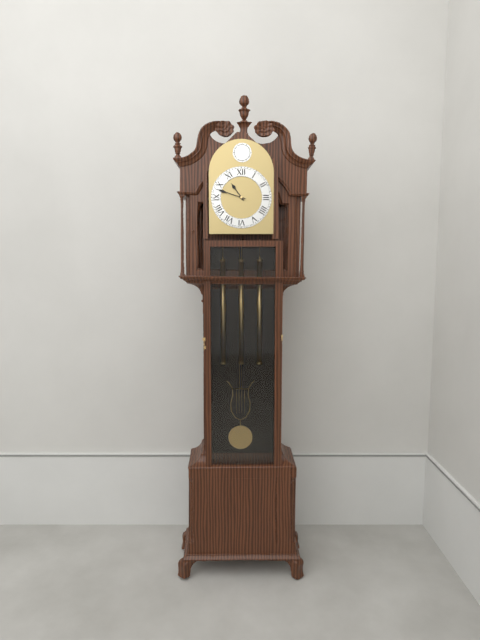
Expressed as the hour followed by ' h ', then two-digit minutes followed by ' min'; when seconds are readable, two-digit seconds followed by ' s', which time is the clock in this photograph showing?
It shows 10 h 48 min
